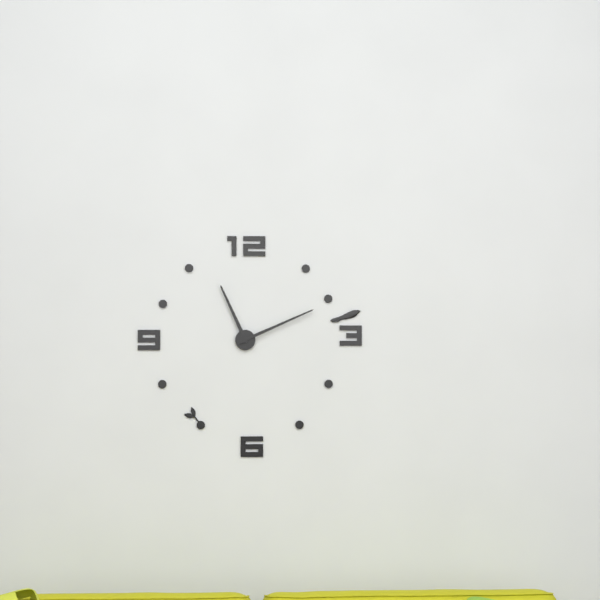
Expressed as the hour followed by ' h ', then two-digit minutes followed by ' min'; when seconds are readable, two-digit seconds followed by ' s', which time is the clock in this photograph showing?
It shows 11 h 11 min
